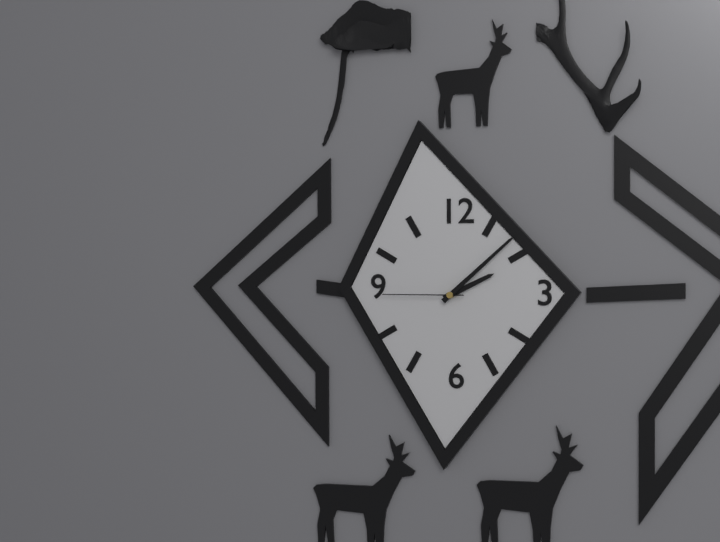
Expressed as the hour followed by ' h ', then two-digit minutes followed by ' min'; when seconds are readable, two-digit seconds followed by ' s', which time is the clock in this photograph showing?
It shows 2 h 08 min 45 s
